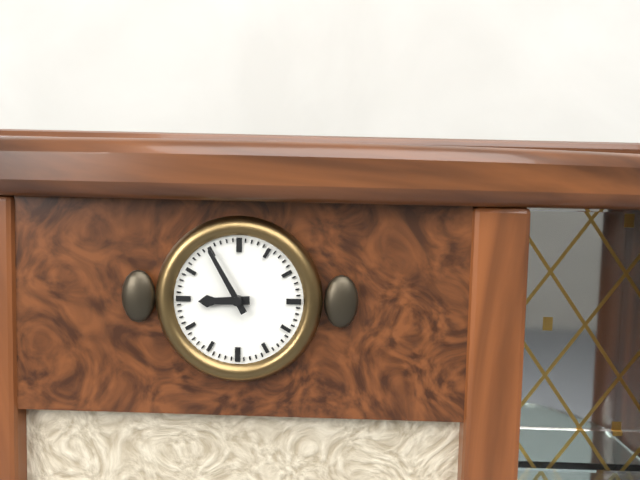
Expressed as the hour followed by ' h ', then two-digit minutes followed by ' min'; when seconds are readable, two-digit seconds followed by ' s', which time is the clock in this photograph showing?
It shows 8 h 55 min
